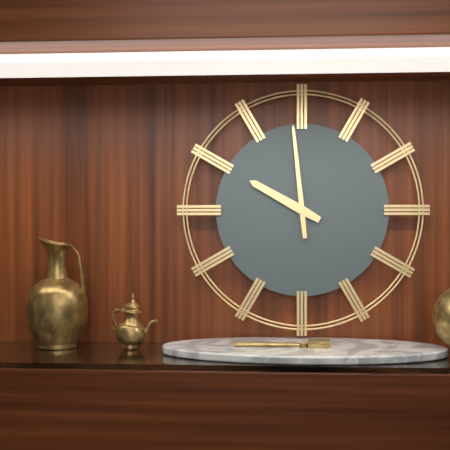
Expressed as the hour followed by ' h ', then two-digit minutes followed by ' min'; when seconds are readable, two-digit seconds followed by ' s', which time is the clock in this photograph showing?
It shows 9 h 59 min
